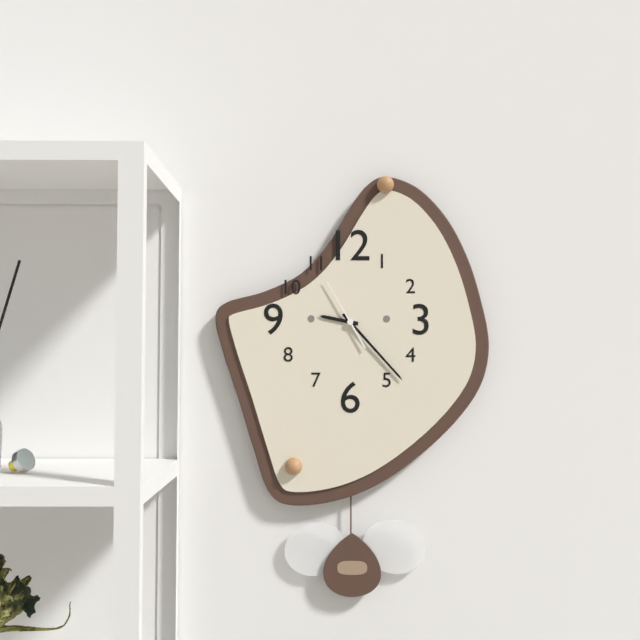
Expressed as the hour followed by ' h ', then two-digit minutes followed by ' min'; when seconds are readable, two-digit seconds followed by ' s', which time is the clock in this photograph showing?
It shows 9 h 23 min 55 s
